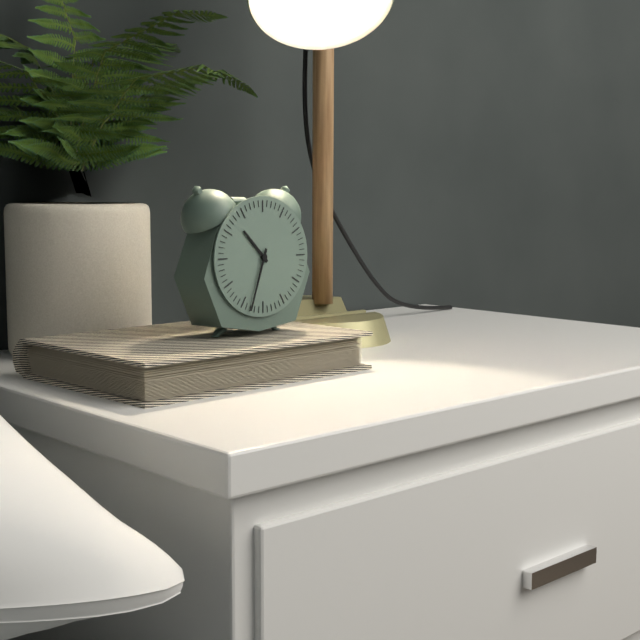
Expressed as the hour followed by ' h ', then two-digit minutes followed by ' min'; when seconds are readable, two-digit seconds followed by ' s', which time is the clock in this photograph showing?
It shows 10 h 33 min
